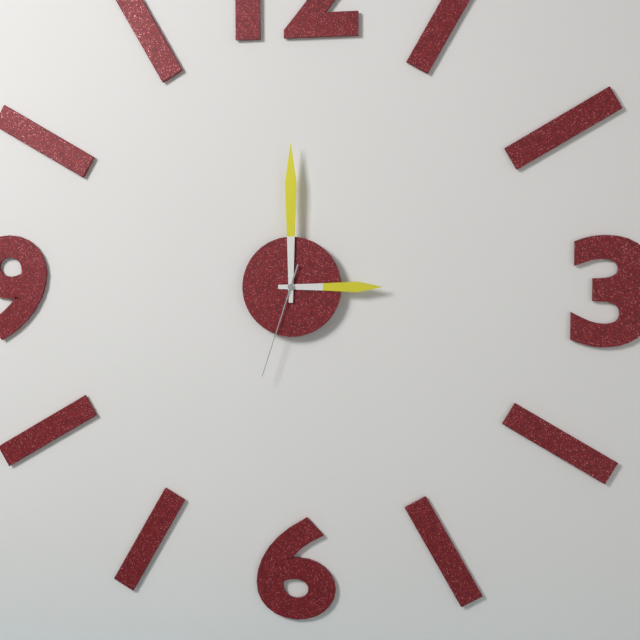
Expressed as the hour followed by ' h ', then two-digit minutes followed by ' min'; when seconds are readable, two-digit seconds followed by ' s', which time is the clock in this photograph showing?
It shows 3 h 00 min 33 s
